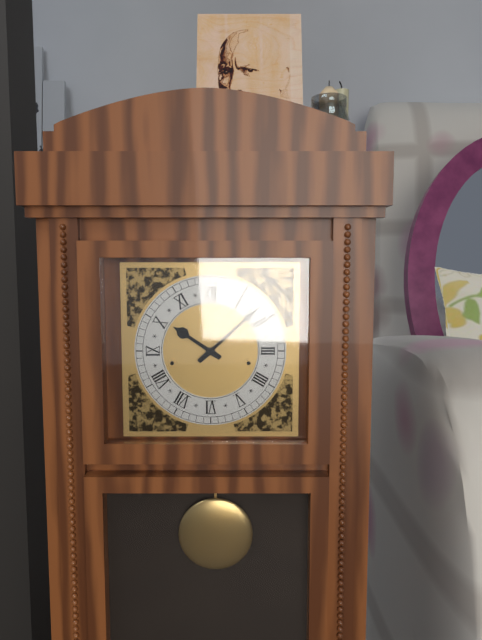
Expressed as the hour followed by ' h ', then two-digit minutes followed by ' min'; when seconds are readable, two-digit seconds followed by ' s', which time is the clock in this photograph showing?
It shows 10 h 08 min
